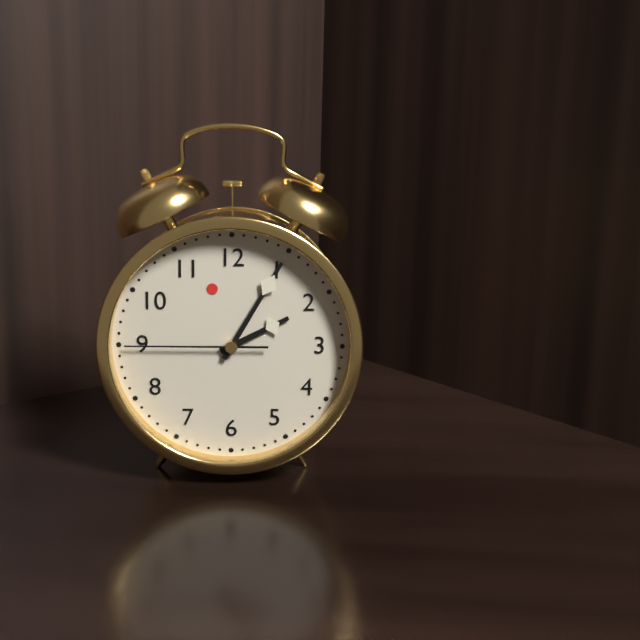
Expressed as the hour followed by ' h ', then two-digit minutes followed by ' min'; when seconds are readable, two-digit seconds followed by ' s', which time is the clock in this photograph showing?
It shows 2 h 05 min 45 s
